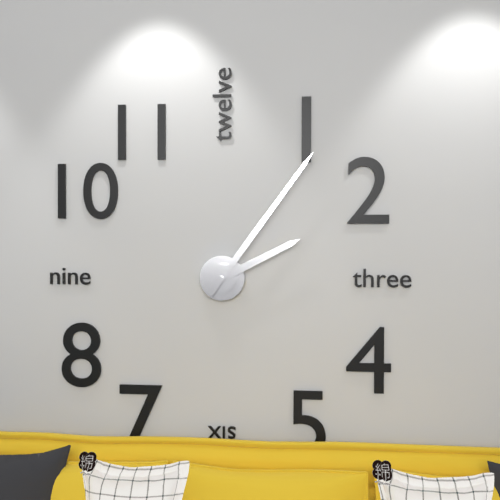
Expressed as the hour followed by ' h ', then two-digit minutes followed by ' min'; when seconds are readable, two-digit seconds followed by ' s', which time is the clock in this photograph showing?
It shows 2 h 06 min
